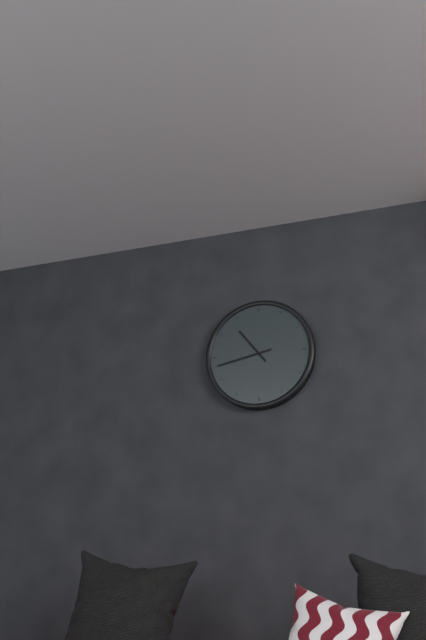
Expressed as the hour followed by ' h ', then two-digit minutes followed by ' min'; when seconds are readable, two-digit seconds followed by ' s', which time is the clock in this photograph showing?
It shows 10 h 43 min
